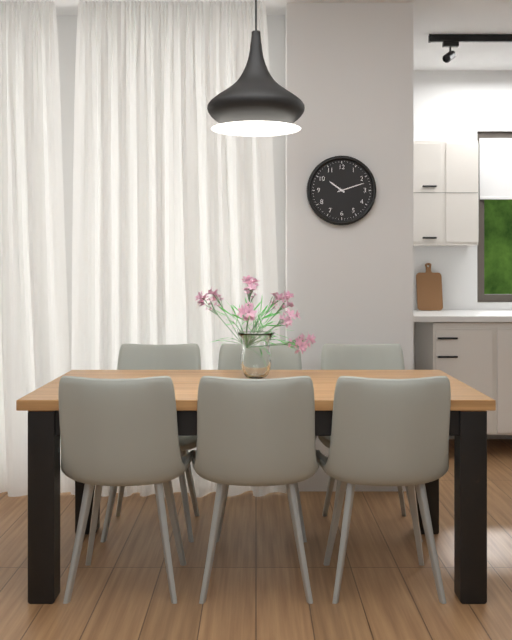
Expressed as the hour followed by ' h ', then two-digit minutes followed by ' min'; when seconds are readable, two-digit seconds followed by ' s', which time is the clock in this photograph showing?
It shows 10 h 12 min
